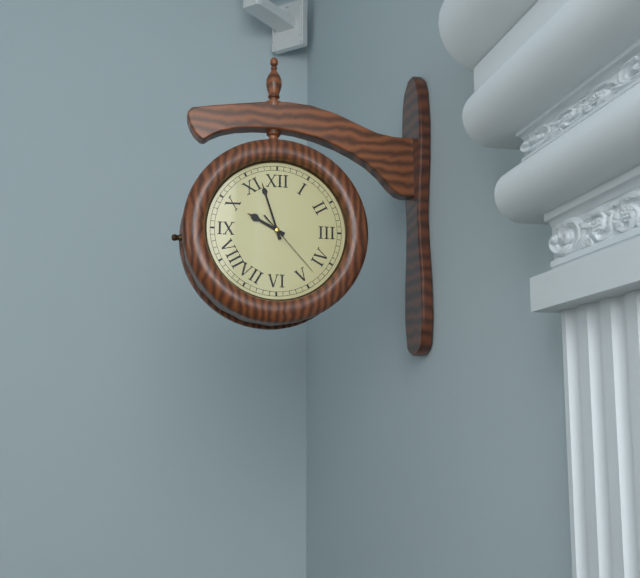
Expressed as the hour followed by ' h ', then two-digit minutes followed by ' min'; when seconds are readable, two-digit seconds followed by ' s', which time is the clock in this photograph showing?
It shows 9 h 57 min 23 s
